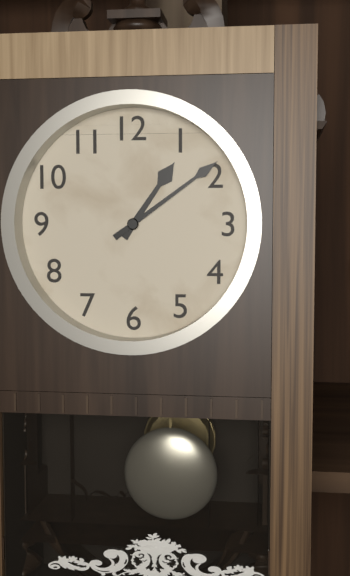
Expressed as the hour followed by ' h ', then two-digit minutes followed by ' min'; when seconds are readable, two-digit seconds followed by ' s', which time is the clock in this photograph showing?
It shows 1 h 09 min
